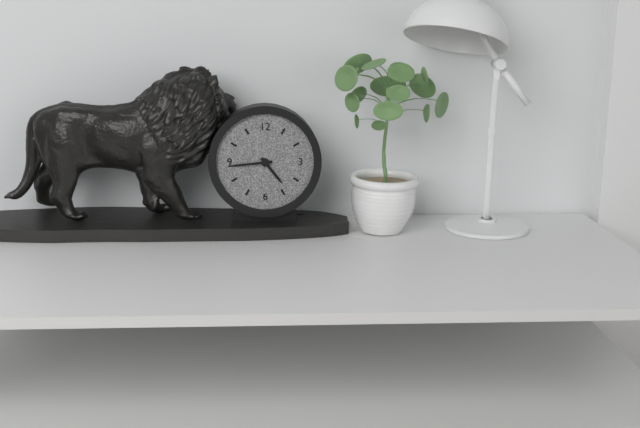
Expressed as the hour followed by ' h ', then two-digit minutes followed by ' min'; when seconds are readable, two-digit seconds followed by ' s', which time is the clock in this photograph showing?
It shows 4 h 44 min
